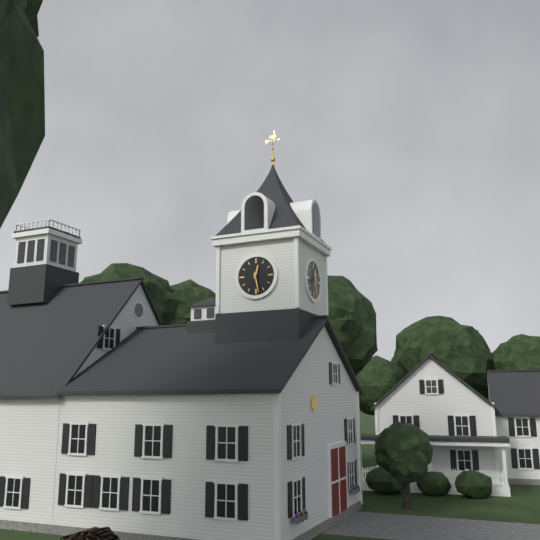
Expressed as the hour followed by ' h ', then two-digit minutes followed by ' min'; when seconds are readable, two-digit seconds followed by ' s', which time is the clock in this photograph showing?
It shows 12 h 28 min
